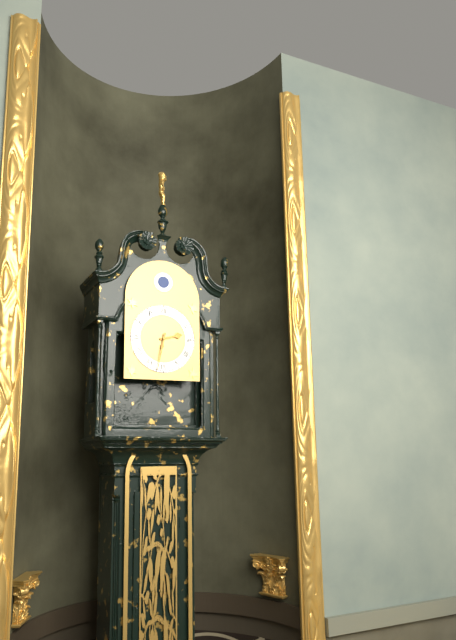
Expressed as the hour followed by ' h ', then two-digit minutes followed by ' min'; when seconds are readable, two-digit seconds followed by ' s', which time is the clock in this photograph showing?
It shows 2 h 32 min
